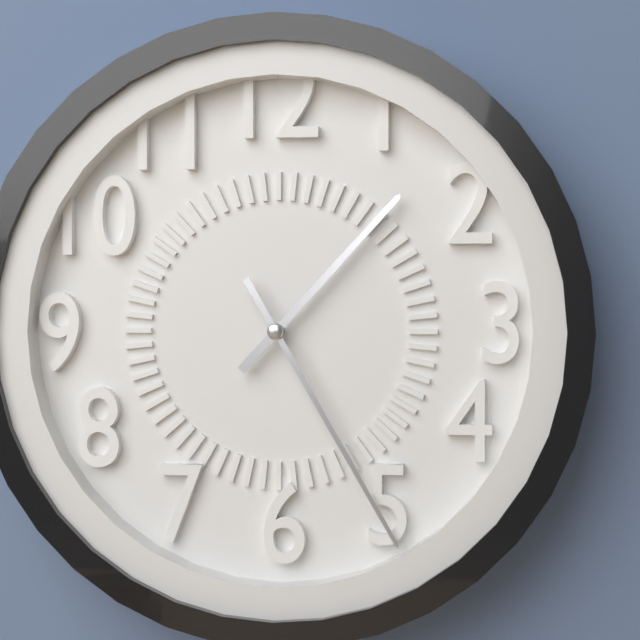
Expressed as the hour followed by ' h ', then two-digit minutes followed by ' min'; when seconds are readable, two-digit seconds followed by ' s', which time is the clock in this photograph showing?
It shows 1 h 25 min
